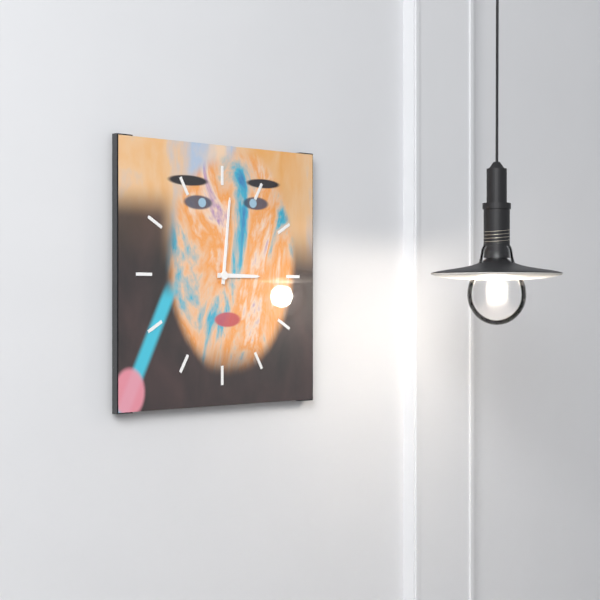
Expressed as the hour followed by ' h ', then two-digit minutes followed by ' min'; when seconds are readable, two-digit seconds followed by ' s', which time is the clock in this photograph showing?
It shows 3 h 01 min
